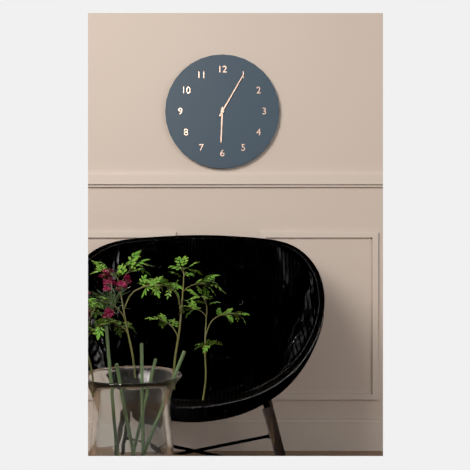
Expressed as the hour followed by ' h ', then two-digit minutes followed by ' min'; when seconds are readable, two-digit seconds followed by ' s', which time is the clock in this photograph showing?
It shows 6 h 05 min
